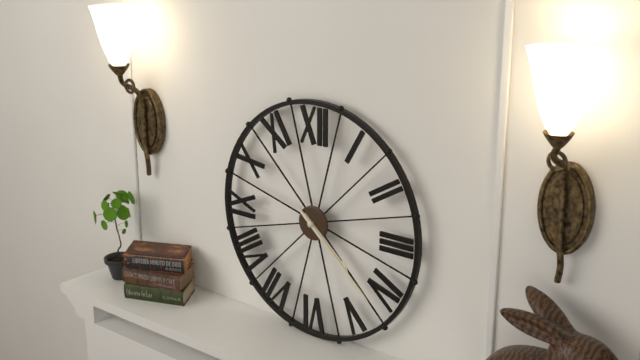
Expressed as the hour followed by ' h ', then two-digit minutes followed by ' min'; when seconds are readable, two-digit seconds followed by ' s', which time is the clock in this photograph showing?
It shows 4 h 22 min
